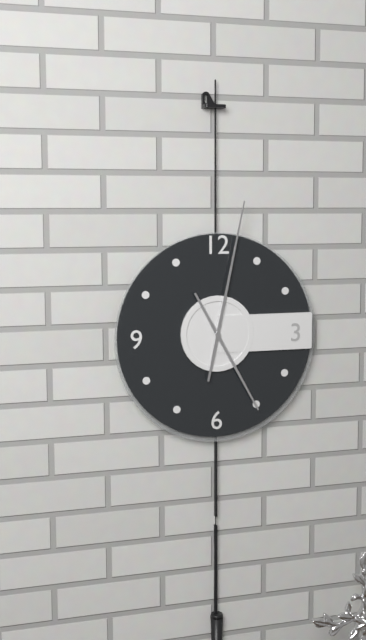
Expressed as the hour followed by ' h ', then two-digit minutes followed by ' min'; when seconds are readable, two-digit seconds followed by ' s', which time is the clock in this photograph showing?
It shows 5 h 02 min
